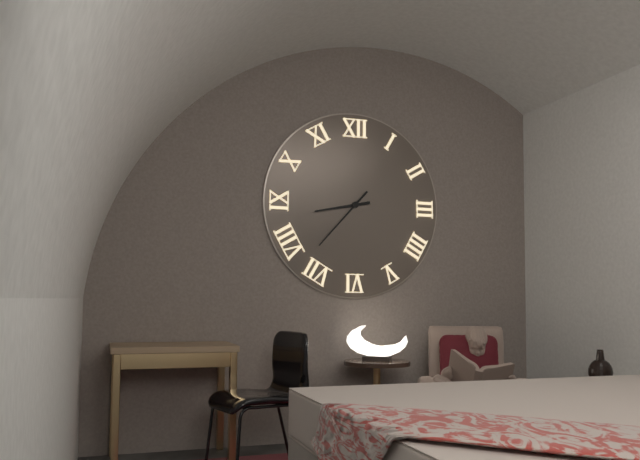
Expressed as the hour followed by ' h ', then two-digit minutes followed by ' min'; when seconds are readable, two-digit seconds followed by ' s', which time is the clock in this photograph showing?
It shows 8 h 37 min
